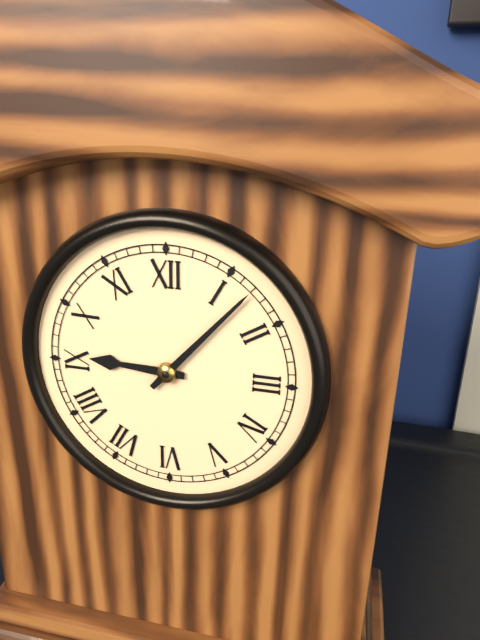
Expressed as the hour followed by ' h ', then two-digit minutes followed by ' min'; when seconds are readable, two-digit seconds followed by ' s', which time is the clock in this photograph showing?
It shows 9 h 07 min
